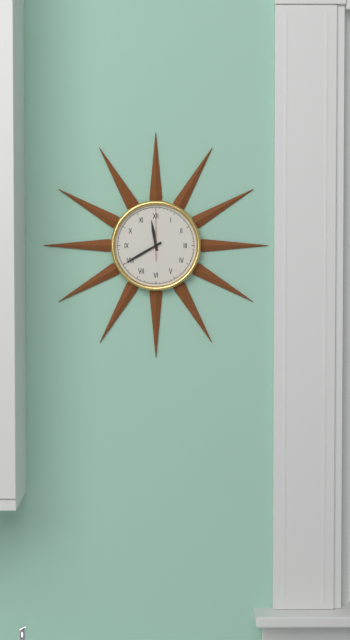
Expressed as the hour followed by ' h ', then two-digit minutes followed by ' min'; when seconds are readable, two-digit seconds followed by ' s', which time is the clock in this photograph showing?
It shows 11 h 40 min
